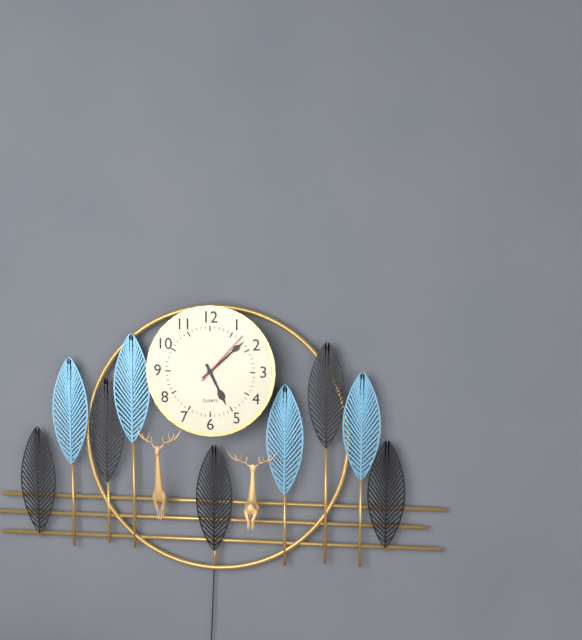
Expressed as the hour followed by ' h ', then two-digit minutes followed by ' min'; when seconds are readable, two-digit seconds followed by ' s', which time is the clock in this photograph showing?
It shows 5 h 08 min 07 s
